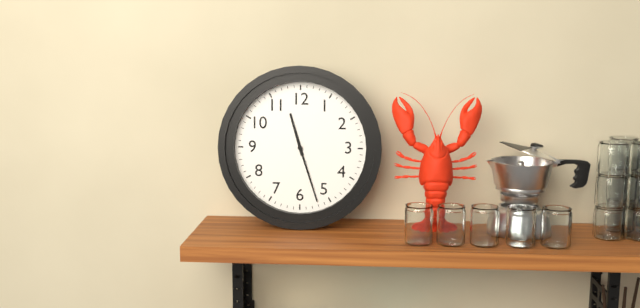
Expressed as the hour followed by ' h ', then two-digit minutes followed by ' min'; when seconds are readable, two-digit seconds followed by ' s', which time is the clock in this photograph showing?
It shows 11 h 27 min
